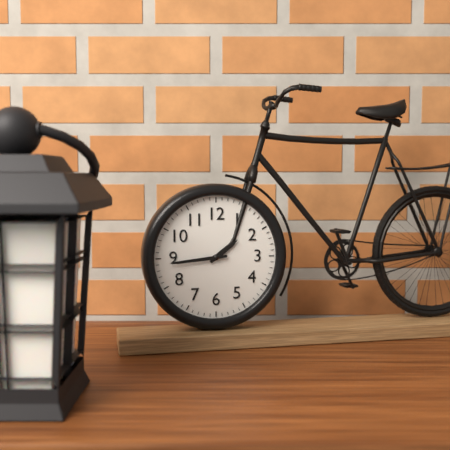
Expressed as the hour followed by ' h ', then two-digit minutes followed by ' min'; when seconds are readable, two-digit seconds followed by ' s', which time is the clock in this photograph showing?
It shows 1 h 44 min
